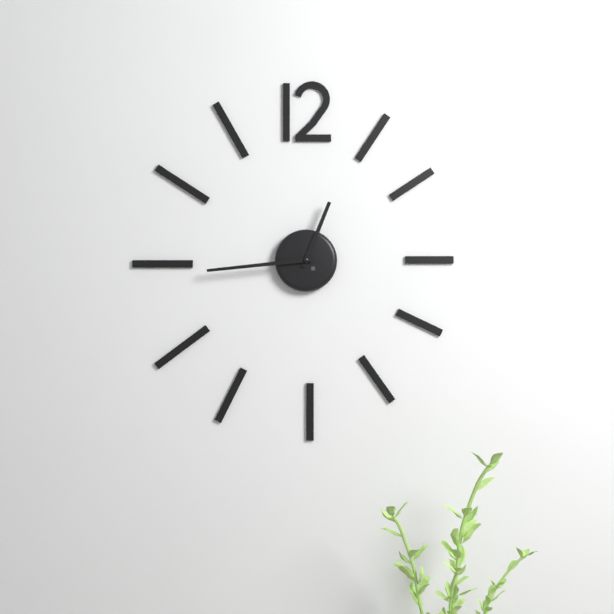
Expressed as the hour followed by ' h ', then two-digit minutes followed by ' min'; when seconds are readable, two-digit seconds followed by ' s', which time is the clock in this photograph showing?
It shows 12 h 44 min
